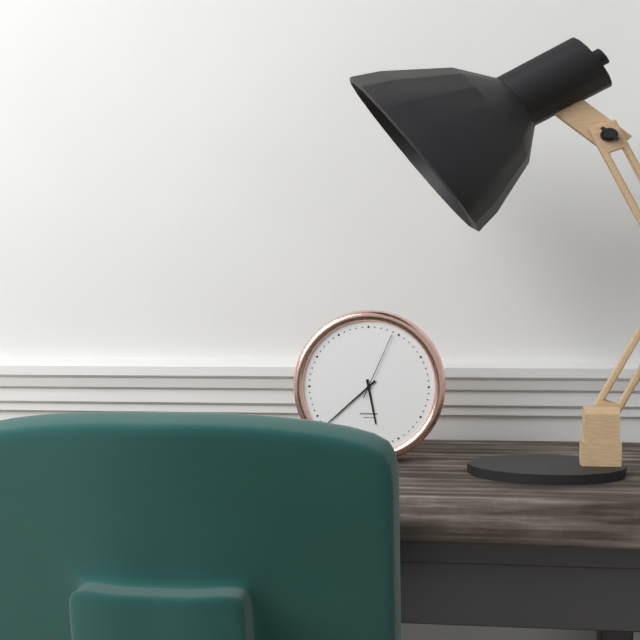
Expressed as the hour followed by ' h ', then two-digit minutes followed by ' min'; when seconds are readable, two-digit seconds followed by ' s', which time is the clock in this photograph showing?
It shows 5 h 38 min 04 s
